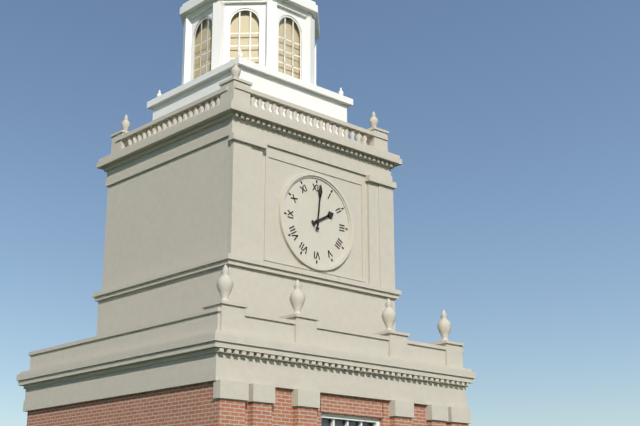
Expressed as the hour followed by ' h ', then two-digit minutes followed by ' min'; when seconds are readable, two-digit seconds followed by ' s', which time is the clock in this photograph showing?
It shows 2 h 01 min
